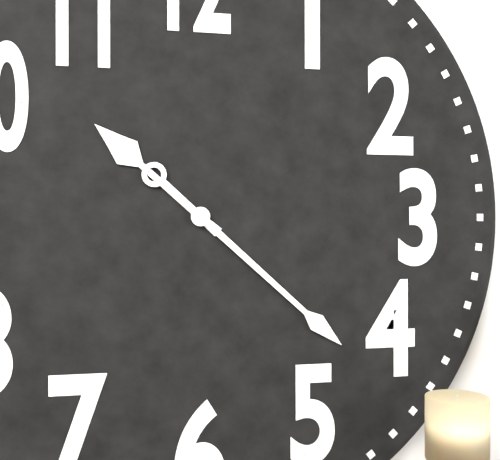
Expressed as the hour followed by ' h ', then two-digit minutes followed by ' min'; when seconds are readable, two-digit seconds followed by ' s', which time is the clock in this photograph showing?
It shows 10 h 22 min
